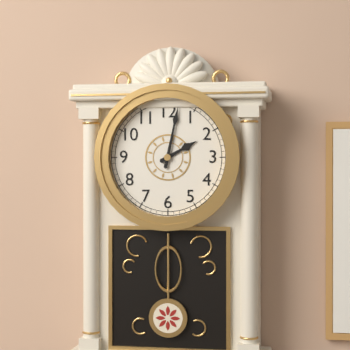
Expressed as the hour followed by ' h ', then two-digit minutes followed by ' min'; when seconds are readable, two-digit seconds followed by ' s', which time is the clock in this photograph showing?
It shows 2 h 02 min
